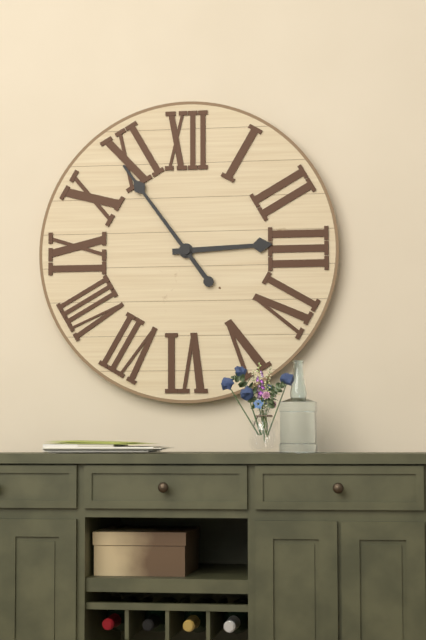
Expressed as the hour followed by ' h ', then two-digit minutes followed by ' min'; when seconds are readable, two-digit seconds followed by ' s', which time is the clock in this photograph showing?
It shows 2 h 54 min
